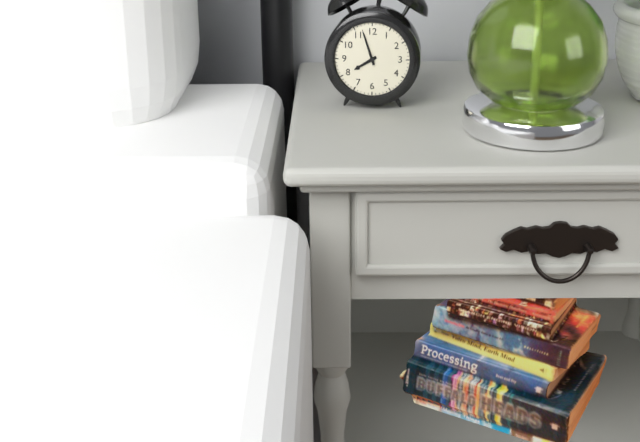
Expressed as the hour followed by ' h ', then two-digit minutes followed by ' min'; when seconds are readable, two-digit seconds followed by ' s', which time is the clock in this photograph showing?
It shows 7 h 57 min
